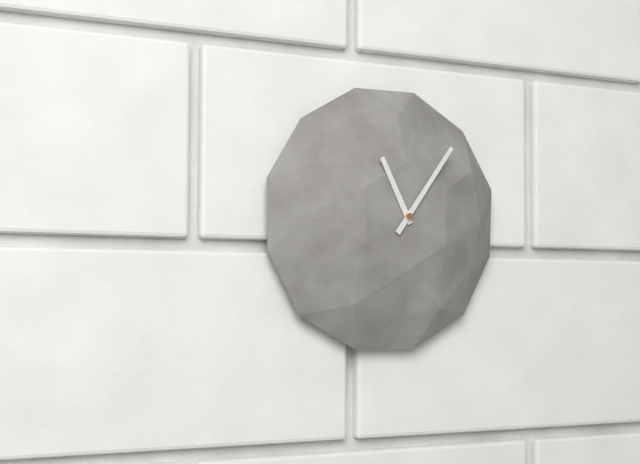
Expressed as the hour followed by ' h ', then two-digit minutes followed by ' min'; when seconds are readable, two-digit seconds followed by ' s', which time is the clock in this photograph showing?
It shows 11 h 06 min
